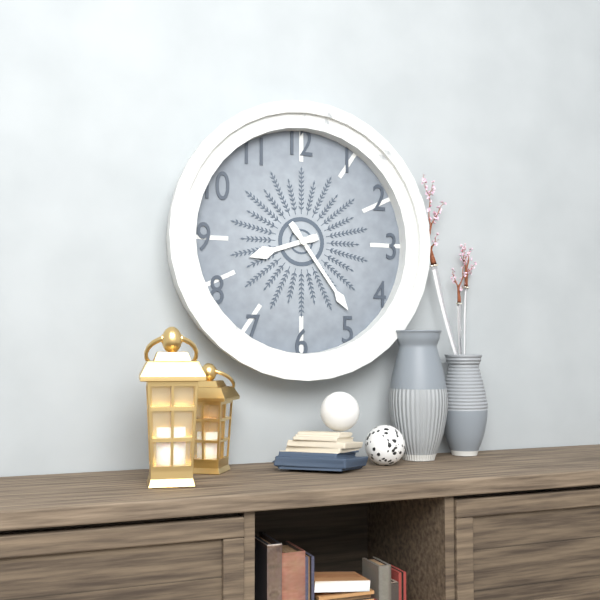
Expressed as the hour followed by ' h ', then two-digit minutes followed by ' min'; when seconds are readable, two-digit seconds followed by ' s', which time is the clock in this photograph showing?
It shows 8 h 24 min
